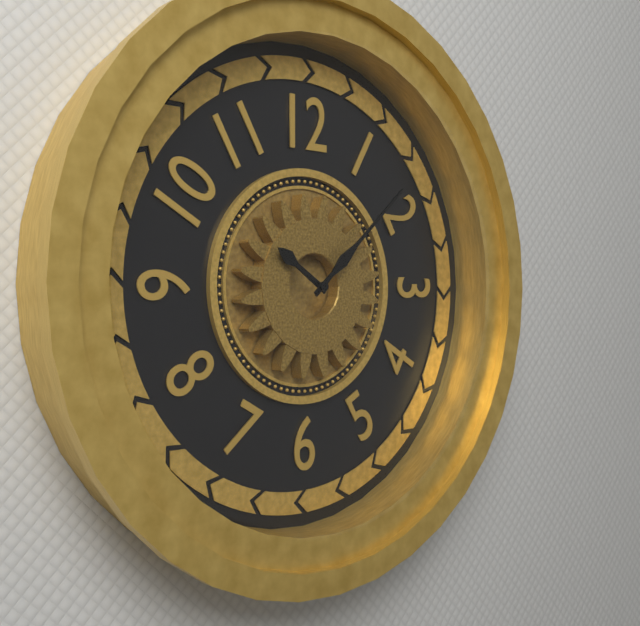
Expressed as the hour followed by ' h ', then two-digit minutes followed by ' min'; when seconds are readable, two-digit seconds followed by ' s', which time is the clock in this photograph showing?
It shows 10 h 08 min
